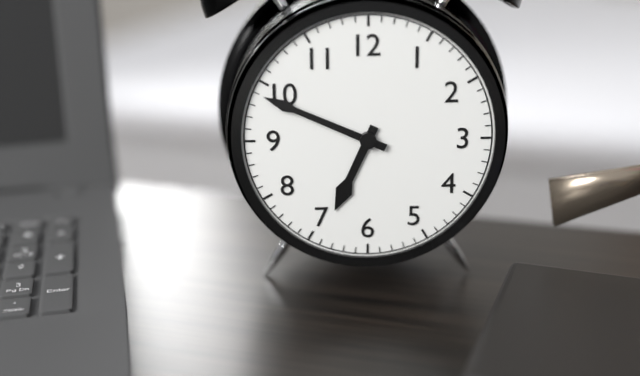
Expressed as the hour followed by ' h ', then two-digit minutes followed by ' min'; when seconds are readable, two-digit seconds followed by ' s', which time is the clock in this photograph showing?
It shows 6 h 49 min
